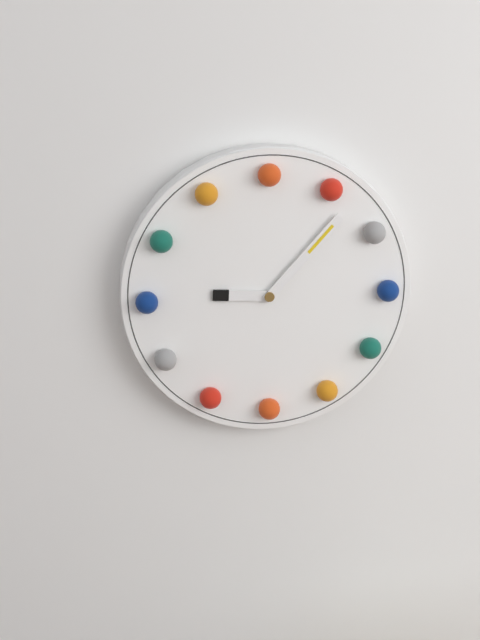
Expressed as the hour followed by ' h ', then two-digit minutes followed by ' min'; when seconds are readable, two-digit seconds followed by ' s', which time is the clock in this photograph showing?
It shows 9 h 07 min
